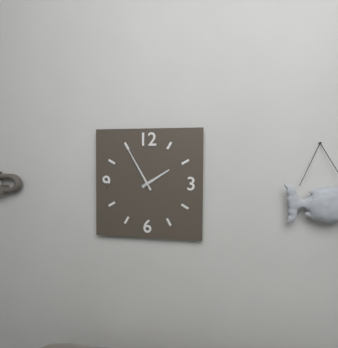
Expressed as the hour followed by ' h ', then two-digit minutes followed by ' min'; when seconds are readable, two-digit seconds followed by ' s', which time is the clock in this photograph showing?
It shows 1 h 55 min
